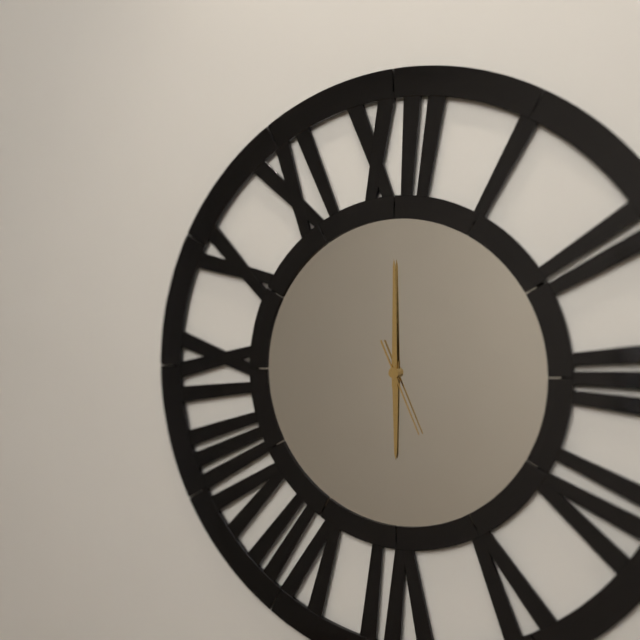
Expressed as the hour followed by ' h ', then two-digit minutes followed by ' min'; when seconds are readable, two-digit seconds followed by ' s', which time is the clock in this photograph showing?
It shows 6 h 00 min 26 s
